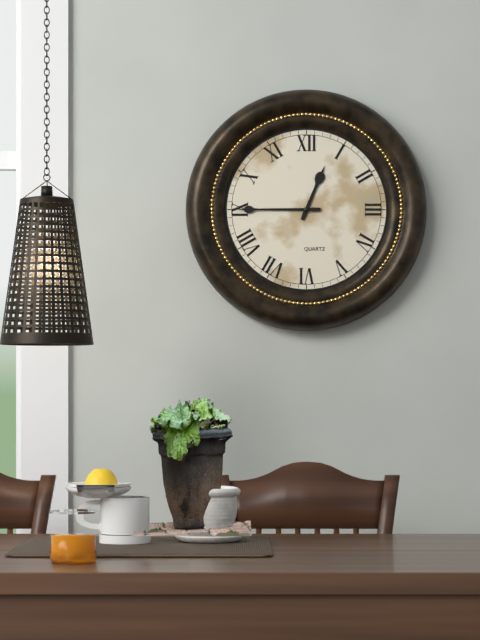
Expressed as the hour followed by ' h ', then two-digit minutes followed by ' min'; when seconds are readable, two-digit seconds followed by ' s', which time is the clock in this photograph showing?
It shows 12 h 45 min
